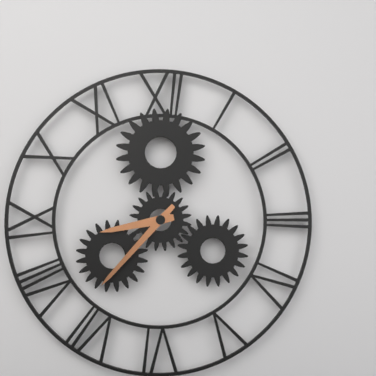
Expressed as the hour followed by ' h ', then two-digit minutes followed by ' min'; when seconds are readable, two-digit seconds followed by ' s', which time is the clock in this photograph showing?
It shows 8 h 37 min
